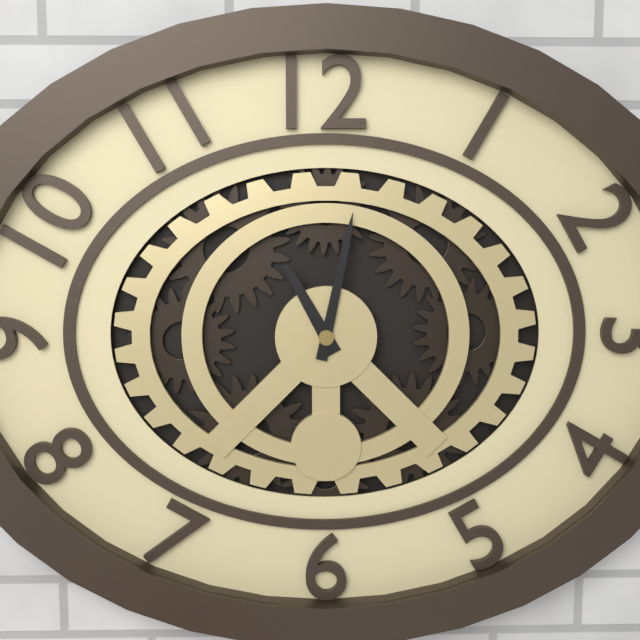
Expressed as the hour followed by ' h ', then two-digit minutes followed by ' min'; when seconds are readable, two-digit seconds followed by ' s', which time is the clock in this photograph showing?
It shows 11 h 02 min
